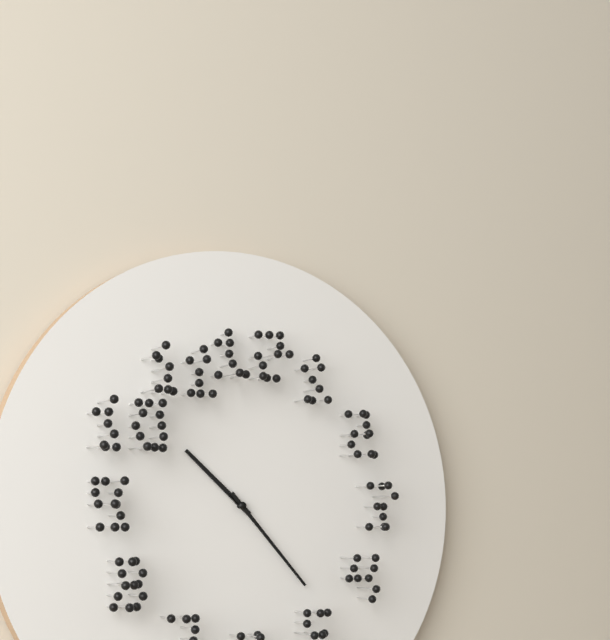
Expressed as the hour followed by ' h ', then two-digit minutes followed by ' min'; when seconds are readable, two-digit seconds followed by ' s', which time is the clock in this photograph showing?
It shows 10 h 23 min
